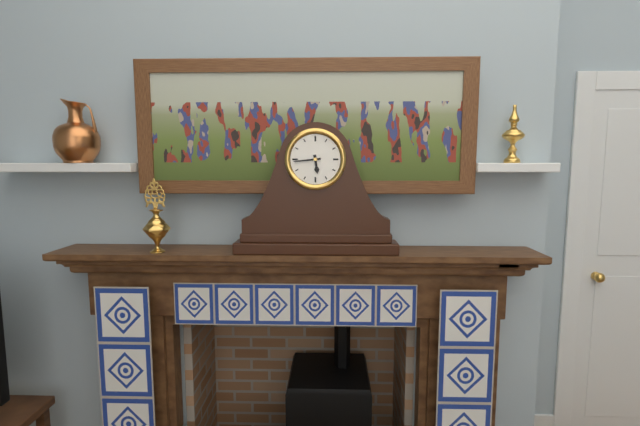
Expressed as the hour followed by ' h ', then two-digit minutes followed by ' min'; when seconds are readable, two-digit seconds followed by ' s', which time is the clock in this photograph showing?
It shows 5 h 44 min
